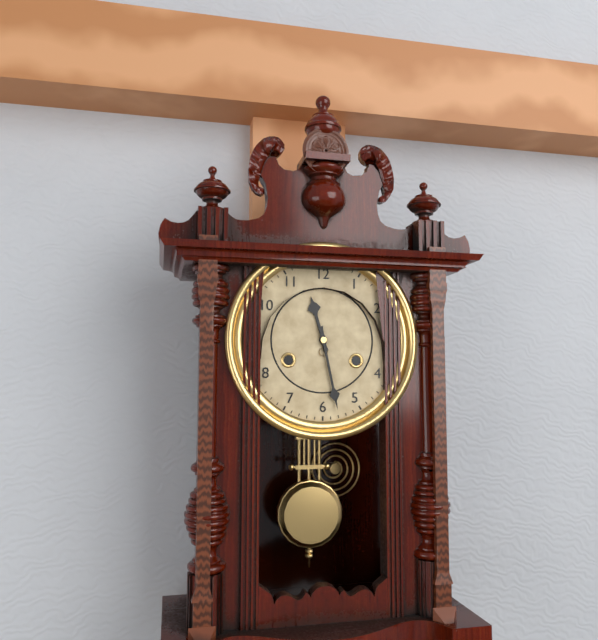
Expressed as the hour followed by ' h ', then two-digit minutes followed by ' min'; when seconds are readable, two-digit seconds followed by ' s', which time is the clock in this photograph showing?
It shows 11 h 28 min
